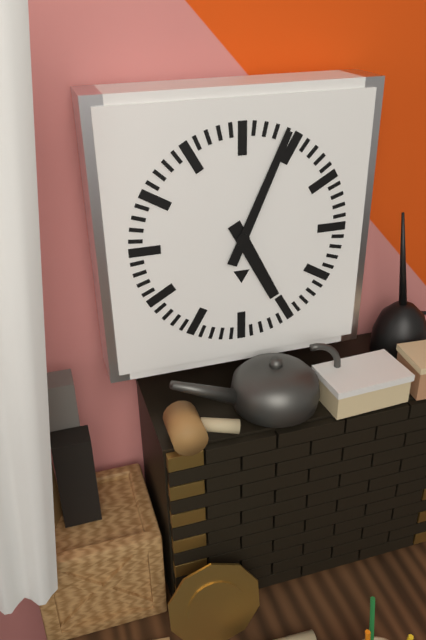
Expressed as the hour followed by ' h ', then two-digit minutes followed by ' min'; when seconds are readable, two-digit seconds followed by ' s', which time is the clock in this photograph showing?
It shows 5 h 04 min
